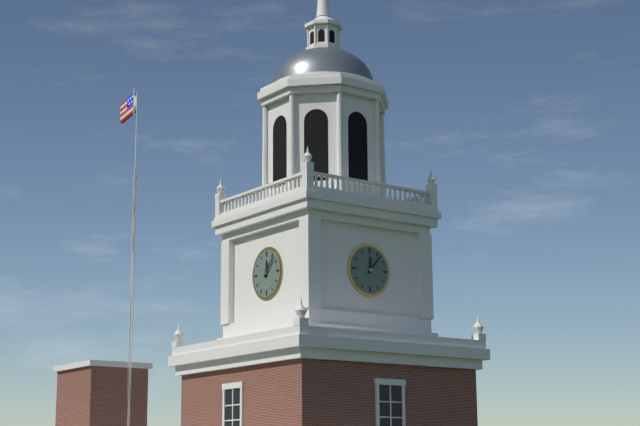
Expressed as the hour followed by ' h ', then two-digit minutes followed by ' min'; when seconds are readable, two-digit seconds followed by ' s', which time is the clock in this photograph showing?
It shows 12 h 07 min
